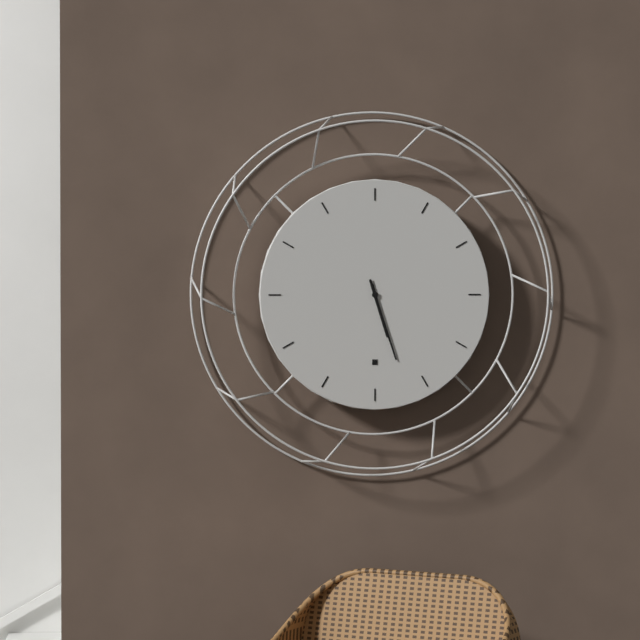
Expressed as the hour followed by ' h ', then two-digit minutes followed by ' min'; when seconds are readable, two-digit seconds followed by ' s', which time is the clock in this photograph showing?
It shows 5 h 27 min
